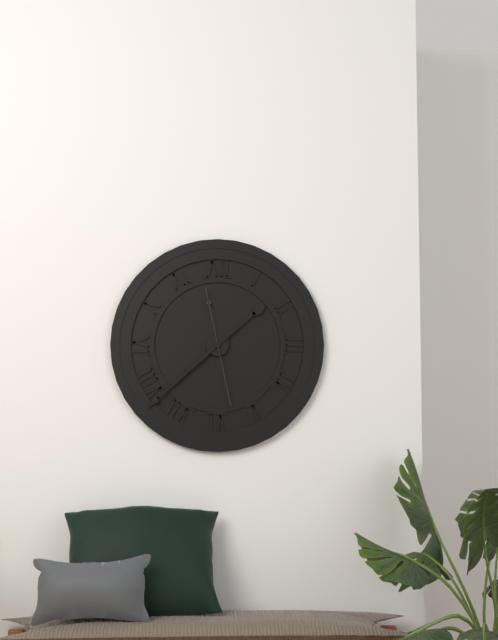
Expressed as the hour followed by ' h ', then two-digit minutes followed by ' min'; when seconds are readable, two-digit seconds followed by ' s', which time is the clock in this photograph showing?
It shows 1 h 38 min 28 s
